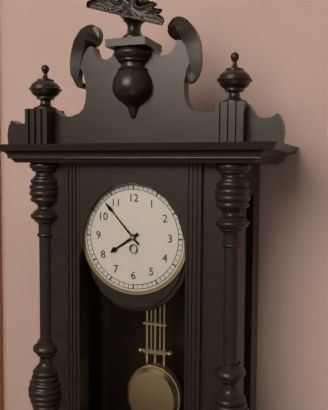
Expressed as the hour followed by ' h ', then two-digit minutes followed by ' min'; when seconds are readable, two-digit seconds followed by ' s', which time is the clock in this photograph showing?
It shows 7 h 53 min
